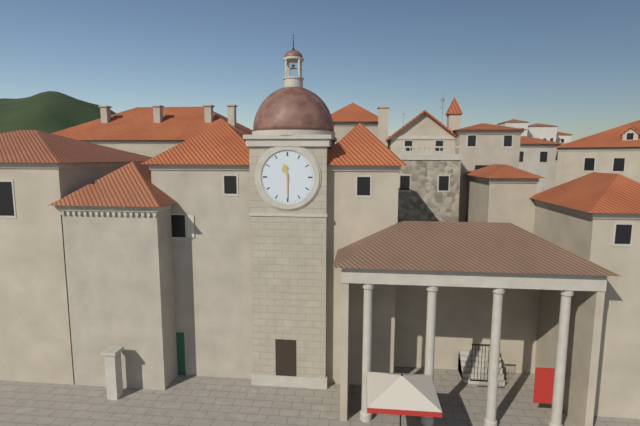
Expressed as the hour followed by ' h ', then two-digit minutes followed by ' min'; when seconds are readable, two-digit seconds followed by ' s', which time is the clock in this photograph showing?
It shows 11 h 30 min
